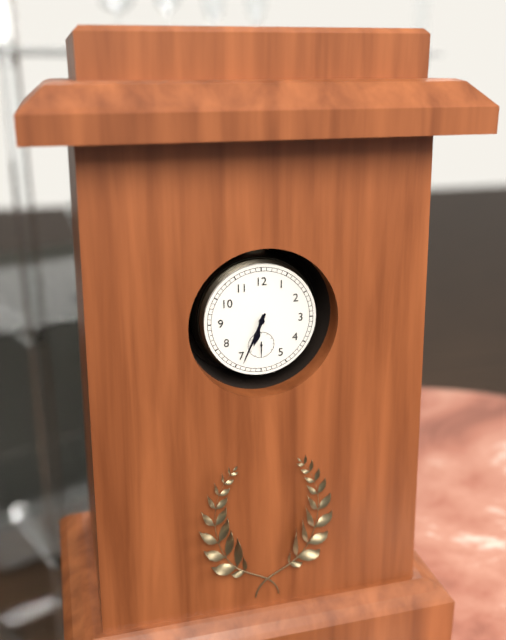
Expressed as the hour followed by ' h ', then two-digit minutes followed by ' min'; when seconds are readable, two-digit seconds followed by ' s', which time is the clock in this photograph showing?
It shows 6 h 34 min
